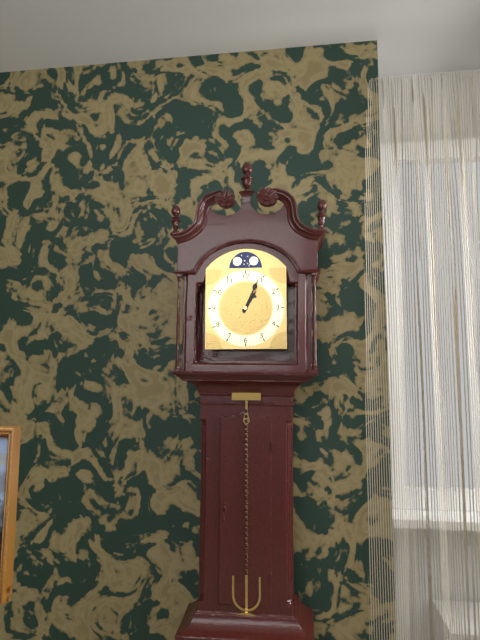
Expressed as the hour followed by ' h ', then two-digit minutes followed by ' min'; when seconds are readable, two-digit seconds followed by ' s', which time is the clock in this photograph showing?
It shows 1 h 04 min
